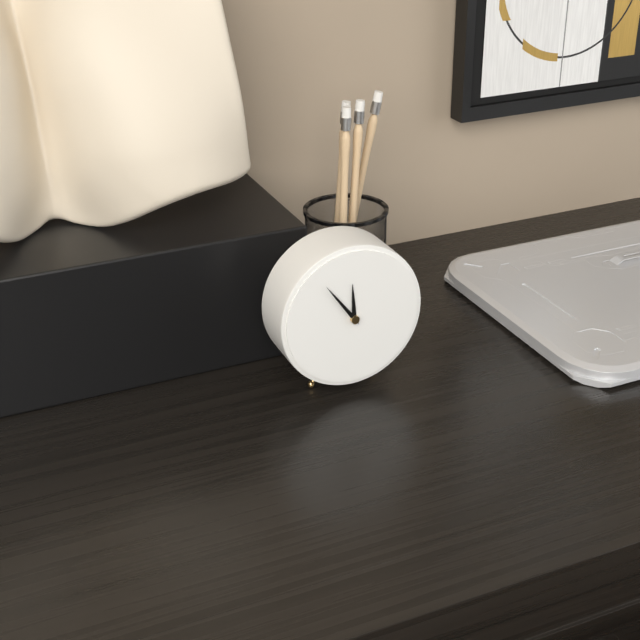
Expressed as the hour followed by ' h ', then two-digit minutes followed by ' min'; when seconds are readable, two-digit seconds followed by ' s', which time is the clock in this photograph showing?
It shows 11 h 54 min
